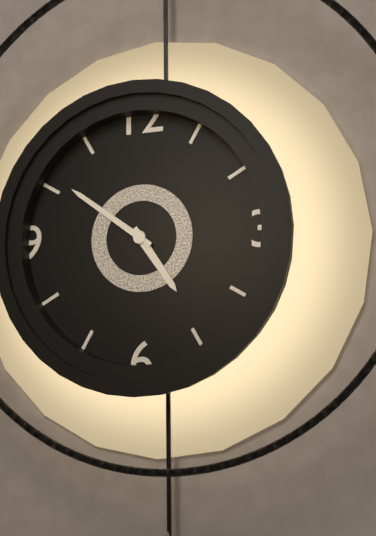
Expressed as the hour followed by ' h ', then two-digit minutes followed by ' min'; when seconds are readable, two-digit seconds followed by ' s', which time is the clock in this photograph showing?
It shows 4 h 51 min
